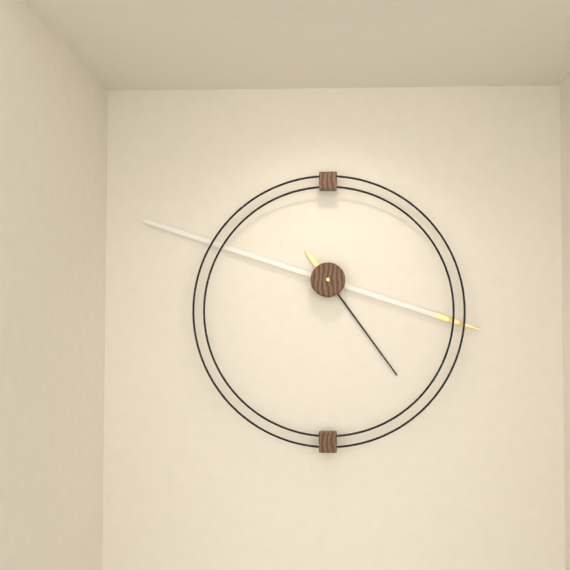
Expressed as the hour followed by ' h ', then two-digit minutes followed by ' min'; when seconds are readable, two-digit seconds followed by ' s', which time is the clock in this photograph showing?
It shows 4 h 48 min
